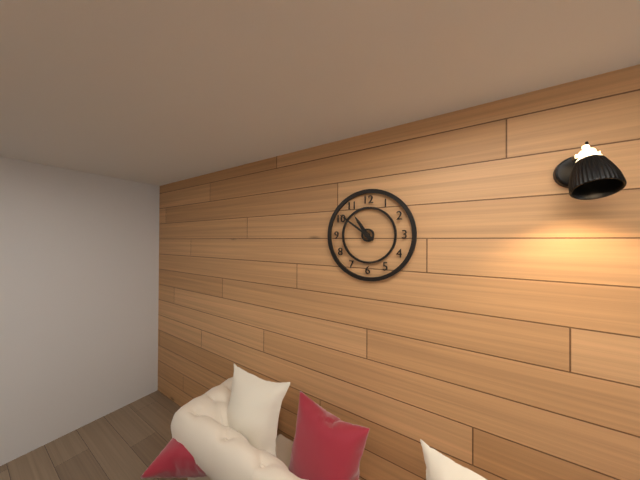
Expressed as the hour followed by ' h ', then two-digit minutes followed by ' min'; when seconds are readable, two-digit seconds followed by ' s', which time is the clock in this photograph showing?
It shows 10 h 51 min
